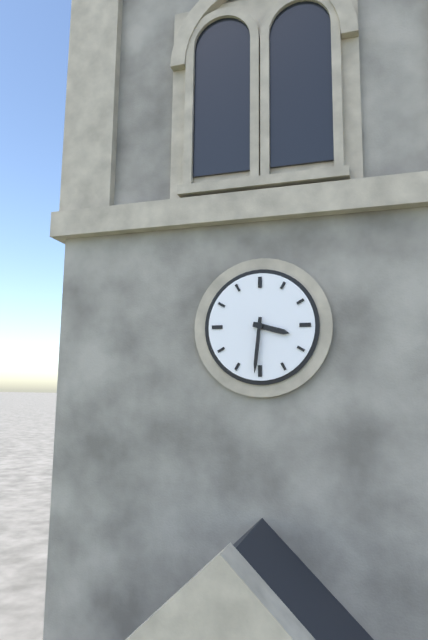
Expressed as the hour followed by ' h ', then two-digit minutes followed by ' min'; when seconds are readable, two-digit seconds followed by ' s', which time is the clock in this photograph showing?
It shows 3 h 31 min
